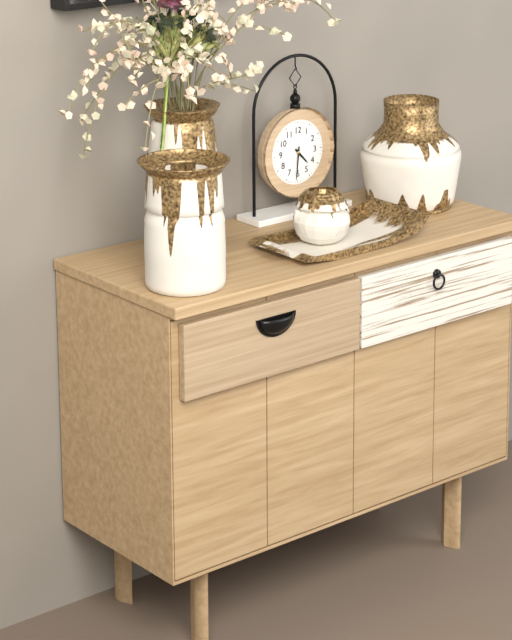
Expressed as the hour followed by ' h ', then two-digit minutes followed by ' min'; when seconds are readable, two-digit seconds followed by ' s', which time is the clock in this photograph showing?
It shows 4 h 31 min
